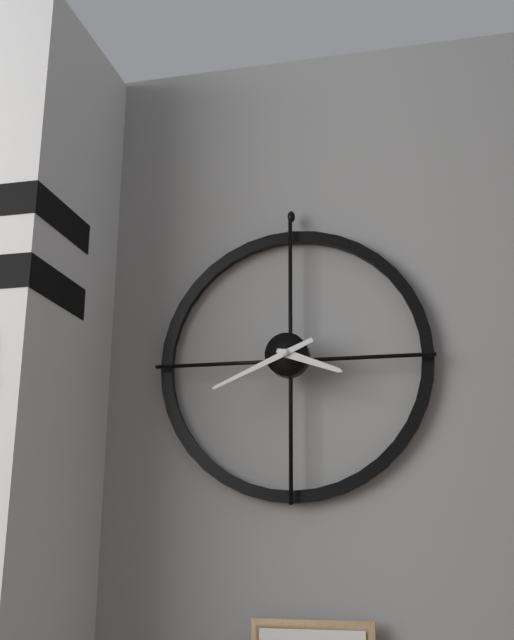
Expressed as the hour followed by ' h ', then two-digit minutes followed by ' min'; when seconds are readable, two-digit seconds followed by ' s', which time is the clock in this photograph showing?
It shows 3 h 41 min
